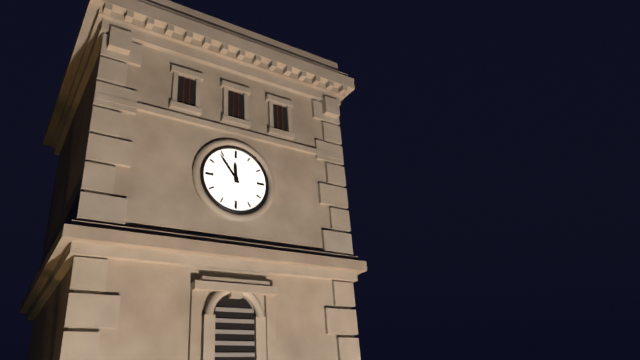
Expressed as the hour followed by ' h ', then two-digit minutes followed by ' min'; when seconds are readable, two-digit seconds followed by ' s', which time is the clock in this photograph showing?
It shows 11 h 54 min
